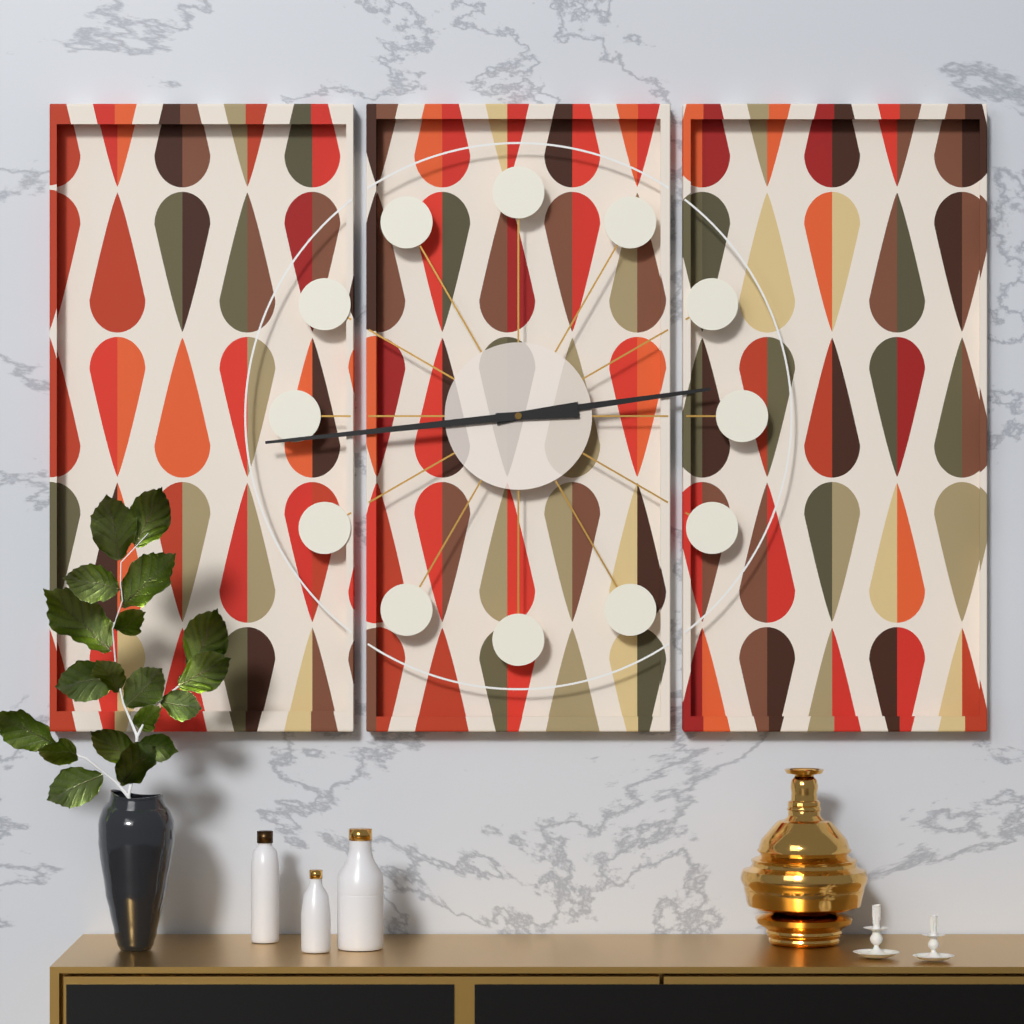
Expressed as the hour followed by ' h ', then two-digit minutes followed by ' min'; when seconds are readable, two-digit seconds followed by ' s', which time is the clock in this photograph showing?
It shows 2 h 44 min
